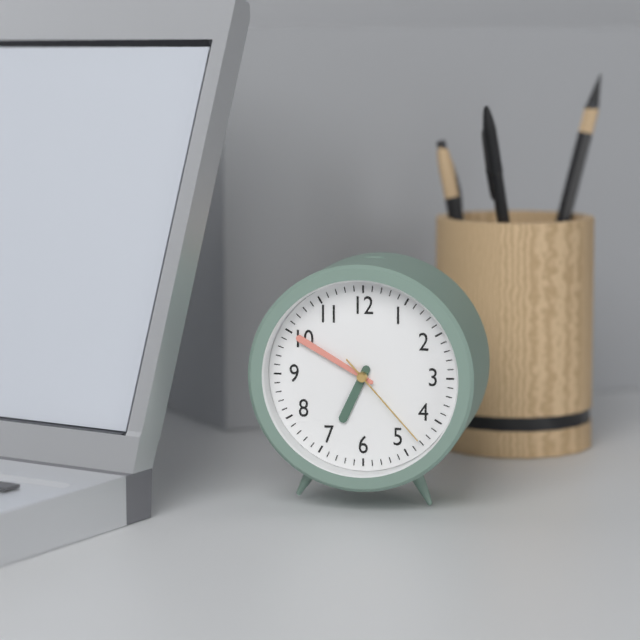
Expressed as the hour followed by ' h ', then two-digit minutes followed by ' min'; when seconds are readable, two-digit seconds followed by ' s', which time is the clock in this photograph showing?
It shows 6 h 50 min 23 s
